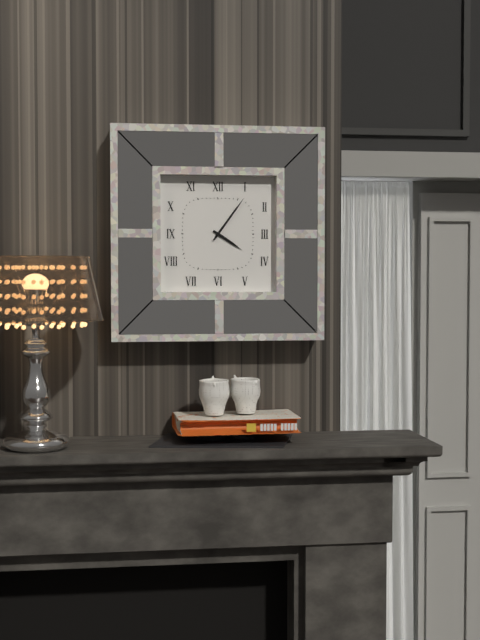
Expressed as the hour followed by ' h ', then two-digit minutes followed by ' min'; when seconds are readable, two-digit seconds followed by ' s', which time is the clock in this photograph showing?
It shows 4 h 06 min
